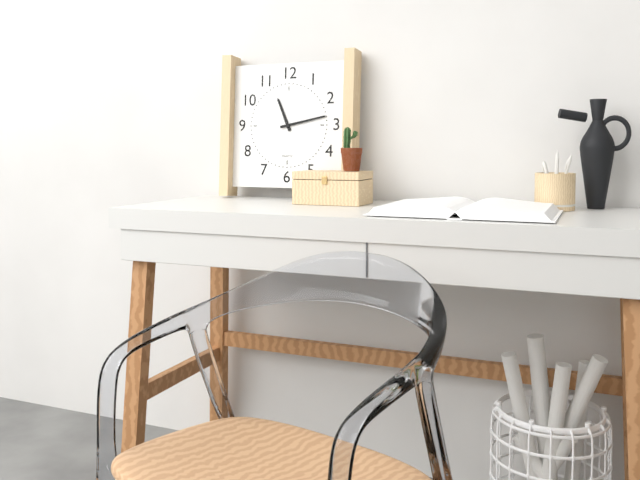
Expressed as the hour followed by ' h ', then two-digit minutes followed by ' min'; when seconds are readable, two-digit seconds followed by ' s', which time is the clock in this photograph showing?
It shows 11 h 13 min
